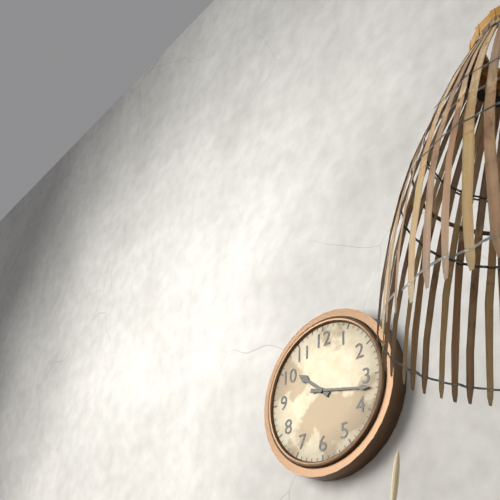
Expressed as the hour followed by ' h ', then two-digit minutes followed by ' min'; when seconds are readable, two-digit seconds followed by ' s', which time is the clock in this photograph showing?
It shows 10 h 17 min
